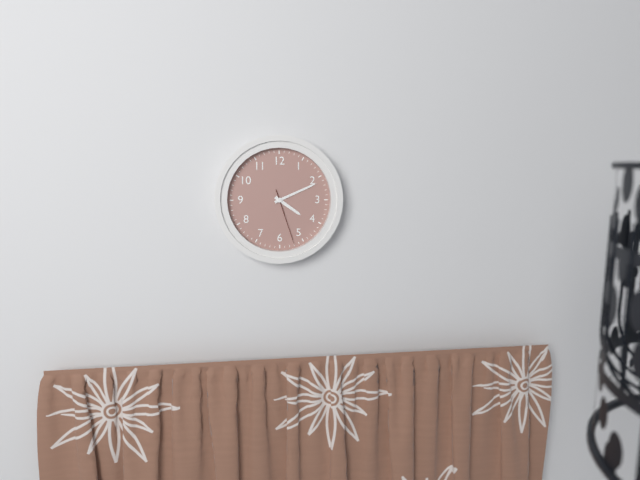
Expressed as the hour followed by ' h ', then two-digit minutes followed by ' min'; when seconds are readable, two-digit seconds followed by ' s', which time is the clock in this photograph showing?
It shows 4 h 11 min 27 s
